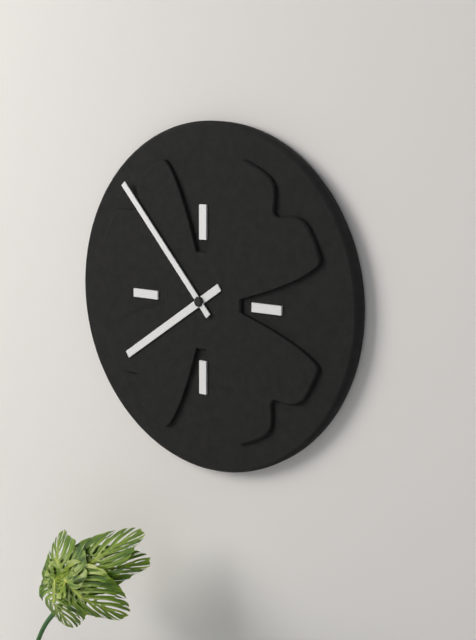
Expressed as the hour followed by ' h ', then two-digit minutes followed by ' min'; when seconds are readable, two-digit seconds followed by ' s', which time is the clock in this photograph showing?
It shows 7 h 53 min
